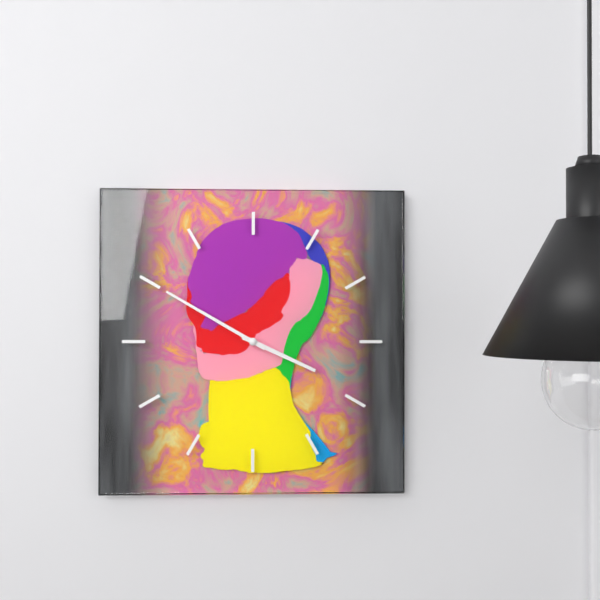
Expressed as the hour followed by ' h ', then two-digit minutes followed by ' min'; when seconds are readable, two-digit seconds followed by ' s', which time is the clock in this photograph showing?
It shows 3 h 50 min
